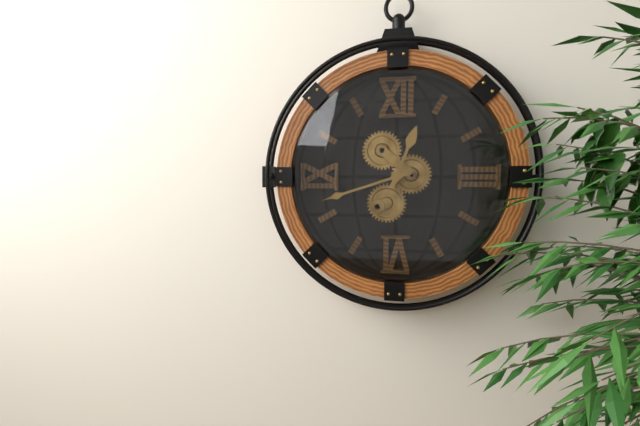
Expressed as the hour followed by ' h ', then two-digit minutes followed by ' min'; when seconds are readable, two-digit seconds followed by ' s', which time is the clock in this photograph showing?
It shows 12 h 42 min
